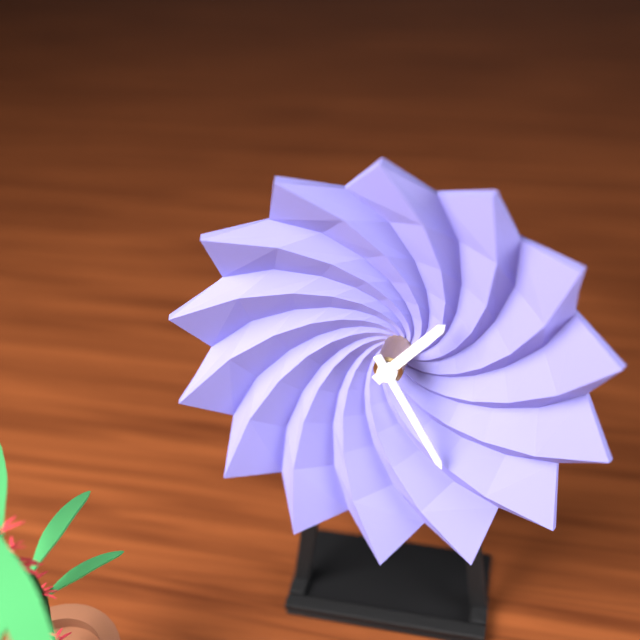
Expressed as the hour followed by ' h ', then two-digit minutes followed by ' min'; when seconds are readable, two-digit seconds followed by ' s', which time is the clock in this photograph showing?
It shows 1 h 25 min
